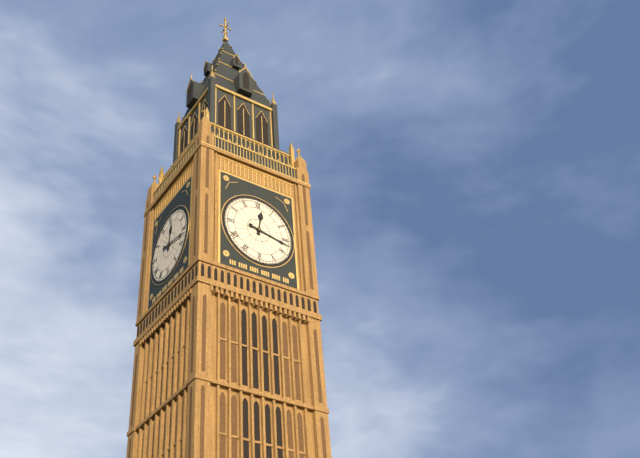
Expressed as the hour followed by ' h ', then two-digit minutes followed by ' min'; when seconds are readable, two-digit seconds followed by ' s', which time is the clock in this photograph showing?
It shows 12 h 17 min
